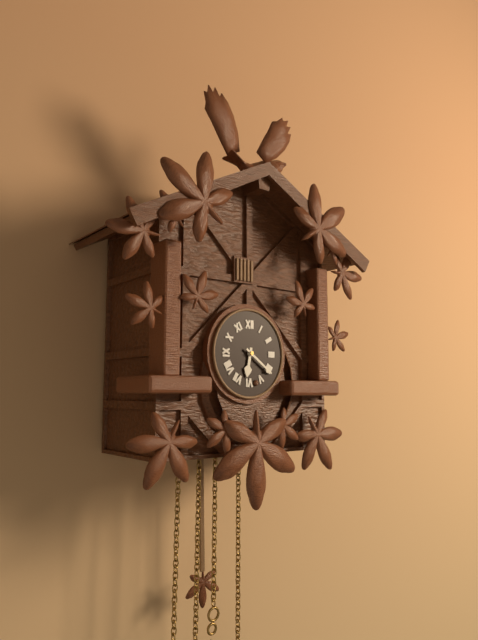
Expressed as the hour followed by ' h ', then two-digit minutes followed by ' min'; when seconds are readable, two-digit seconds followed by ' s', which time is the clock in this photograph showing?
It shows 6 h 21 min
